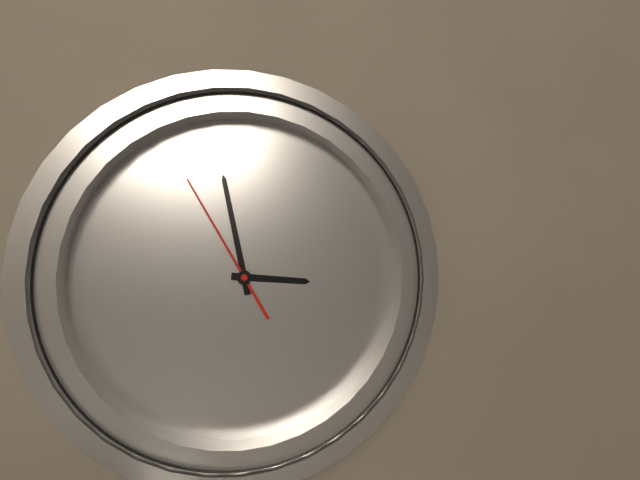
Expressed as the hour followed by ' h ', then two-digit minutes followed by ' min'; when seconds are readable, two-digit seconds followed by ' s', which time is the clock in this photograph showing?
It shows 2 h 57 min 54 s
